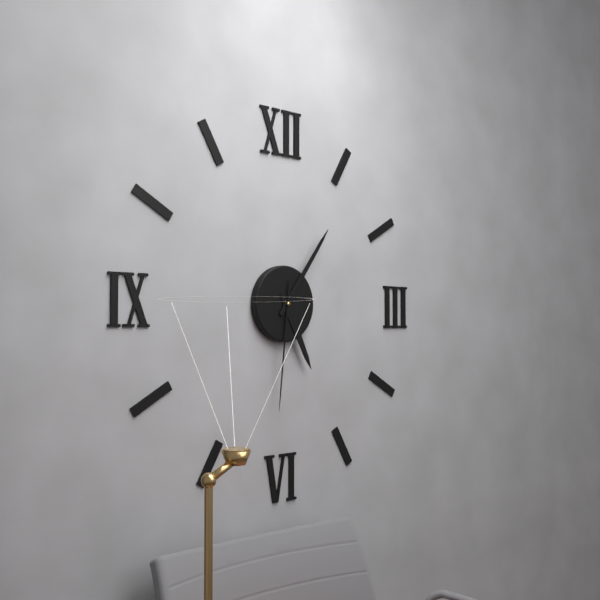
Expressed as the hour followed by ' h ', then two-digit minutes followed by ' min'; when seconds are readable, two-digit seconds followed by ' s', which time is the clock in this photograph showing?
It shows 5 h 06 min 31 s
